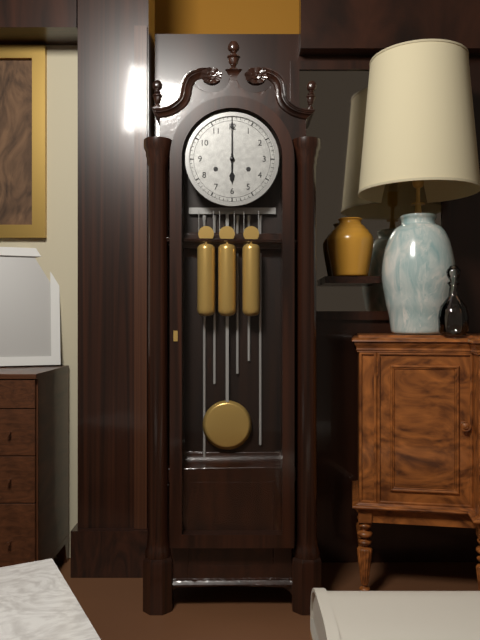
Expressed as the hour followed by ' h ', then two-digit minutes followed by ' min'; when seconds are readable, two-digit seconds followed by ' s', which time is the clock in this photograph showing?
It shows 6 h 00 min
